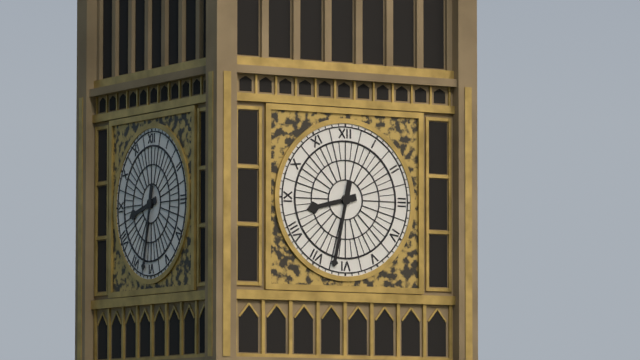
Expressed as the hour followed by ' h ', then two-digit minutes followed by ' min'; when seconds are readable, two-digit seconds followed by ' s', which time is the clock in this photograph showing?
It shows 8 h 32 min
